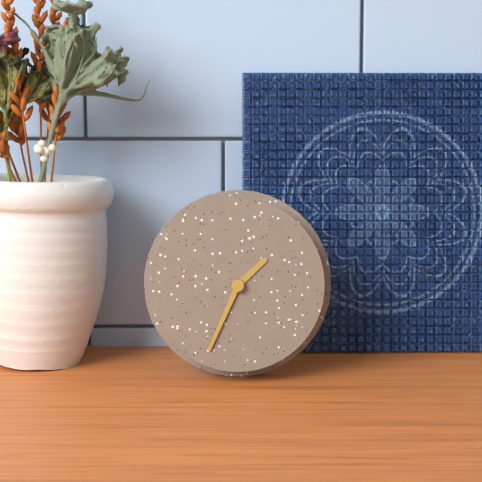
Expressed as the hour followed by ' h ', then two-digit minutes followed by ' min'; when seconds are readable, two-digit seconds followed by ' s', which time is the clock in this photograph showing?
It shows 1 h 34 min
